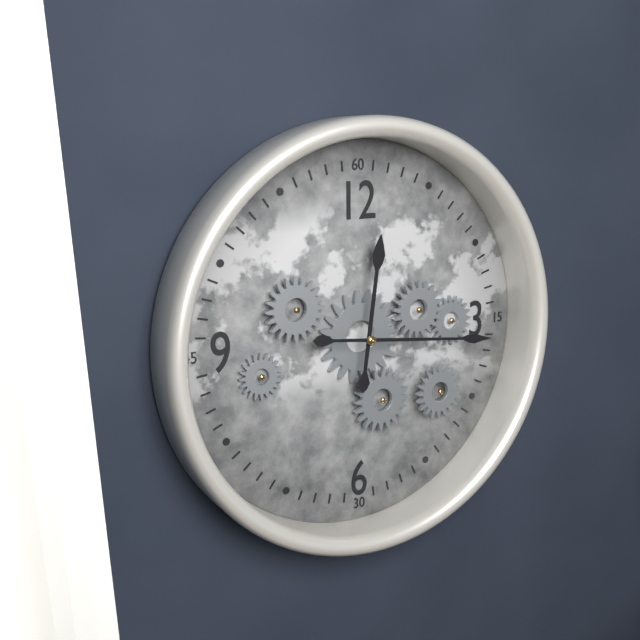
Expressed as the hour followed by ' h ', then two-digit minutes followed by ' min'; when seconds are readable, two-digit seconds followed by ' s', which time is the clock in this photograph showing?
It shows 12 h 16 min
